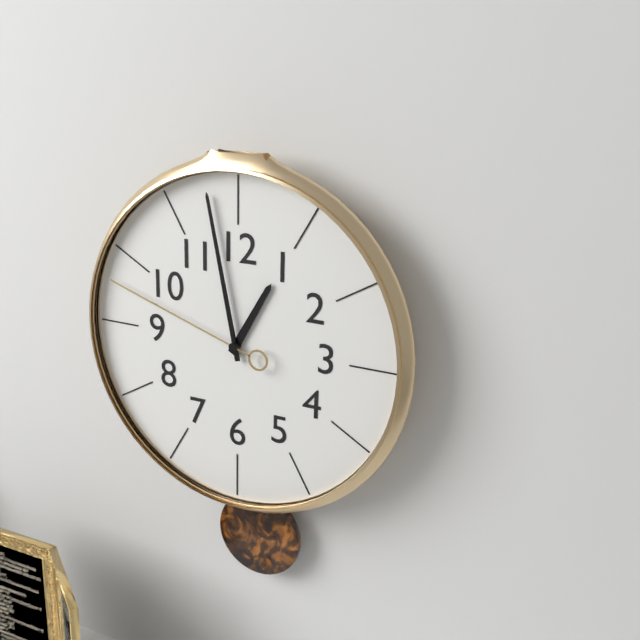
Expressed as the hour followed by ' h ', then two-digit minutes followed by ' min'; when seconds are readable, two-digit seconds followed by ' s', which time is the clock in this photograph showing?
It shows 12 h 58 min 48 s
